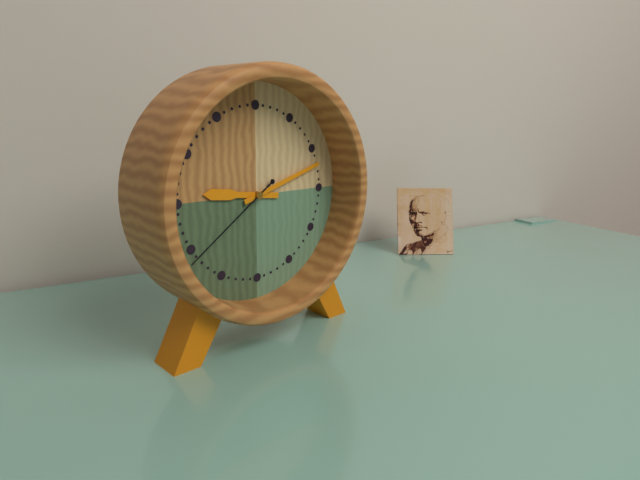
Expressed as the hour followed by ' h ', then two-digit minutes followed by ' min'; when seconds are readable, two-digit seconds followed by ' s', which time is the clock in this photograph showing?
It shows 9 h 12 min 39 s
